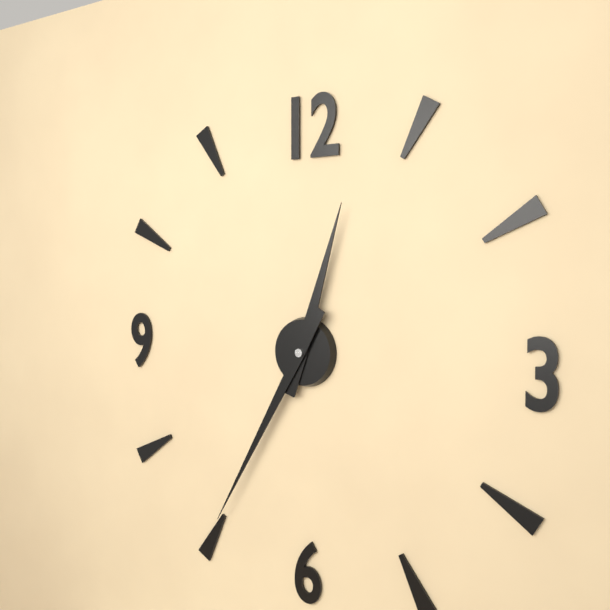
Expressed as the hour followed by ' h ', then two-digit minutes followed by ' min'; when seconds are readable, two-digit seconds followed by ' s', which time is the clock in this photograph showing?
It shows 12 h 35 min
